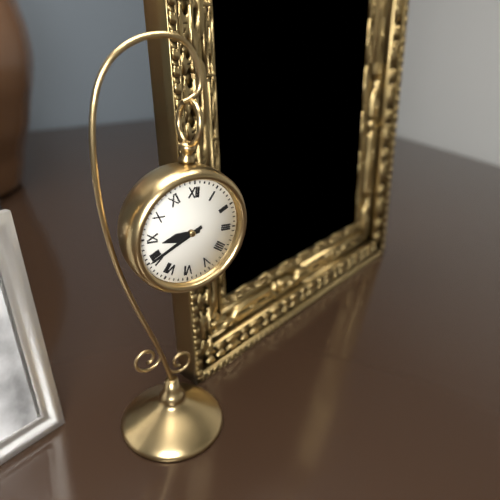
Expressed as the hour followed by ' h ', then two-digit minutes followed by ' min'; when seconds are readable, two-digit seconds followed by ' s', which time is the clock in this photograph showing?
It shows 8 h 40 min
